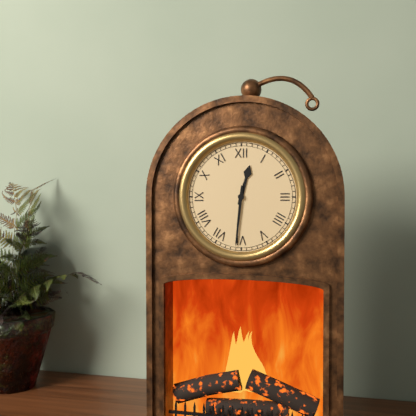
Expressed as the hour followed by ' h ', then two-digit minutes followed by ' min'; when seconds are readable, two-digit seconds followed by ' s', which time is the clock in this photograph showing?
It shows 12 h 31 min
